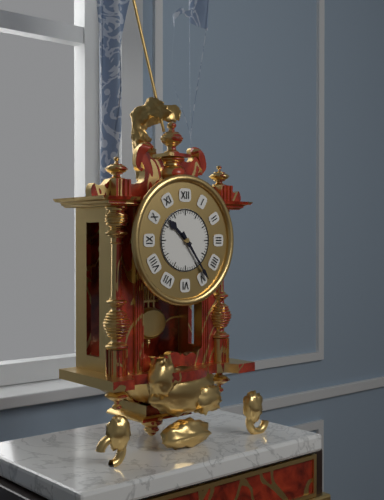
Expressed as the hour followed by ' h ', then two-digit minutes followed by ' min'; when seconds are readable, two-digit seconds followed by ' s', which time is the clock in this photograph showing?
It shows 10 h 24 min
